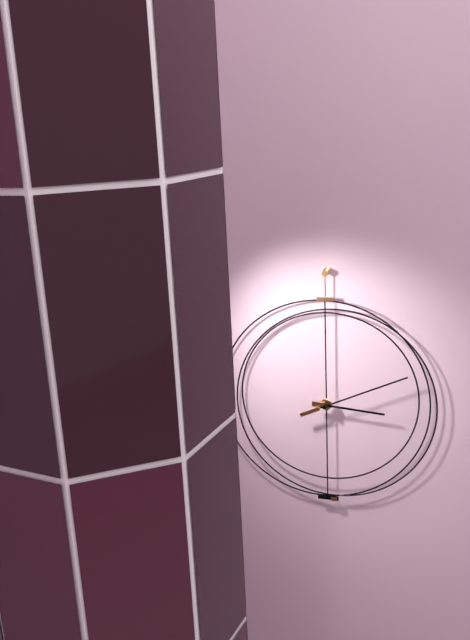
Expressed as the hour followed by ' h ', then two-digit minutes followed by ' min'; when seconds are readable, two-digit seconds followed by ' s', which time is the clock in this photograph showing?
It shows 3 h 11 min
